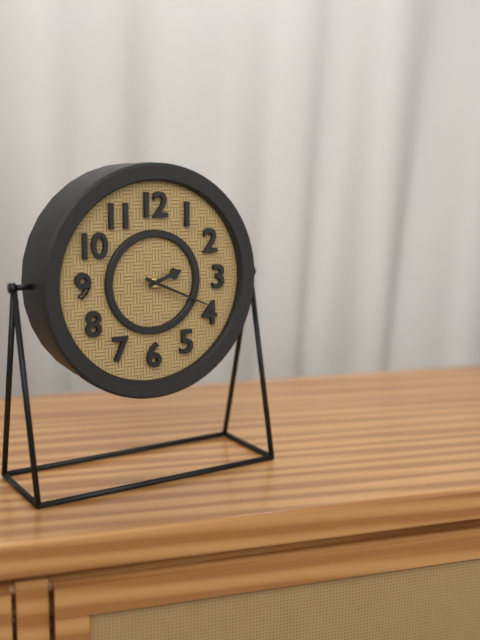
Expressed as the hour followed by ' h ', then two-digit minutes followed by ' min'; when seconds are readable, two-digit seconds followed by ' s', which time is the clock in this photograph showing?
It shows 2 h 19 min
